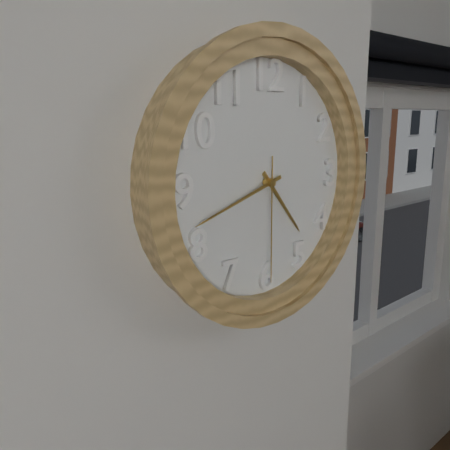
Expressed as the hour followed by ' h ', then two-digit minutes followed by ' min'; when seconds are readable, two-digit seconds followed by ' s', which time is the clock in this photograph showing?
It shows 4 h 42 min 30 s
